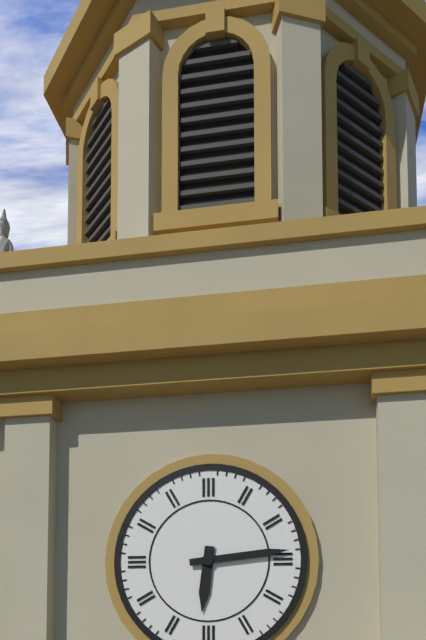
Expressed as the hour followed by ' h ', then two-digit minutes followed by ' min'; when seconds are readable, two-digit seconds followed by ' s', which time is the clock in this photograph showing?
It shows 6 h 14 min
